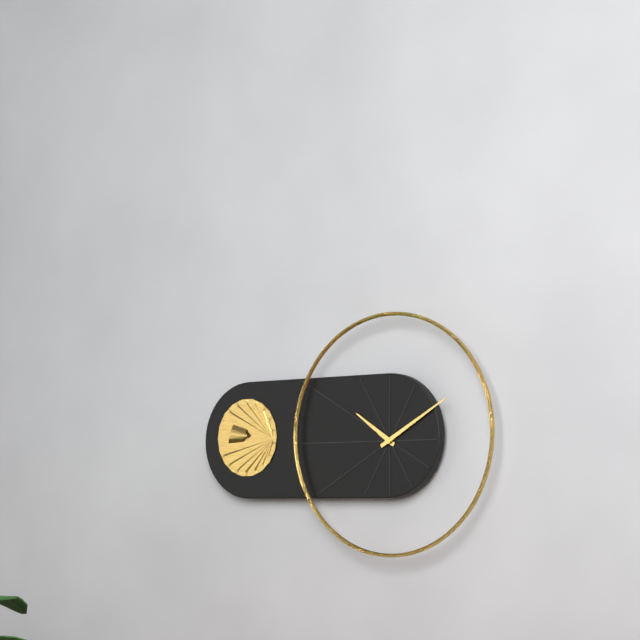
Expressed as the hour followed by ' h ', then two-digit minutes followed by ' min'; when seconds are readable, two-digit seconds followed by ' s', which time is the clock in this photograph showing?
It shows 10 h 10 min
